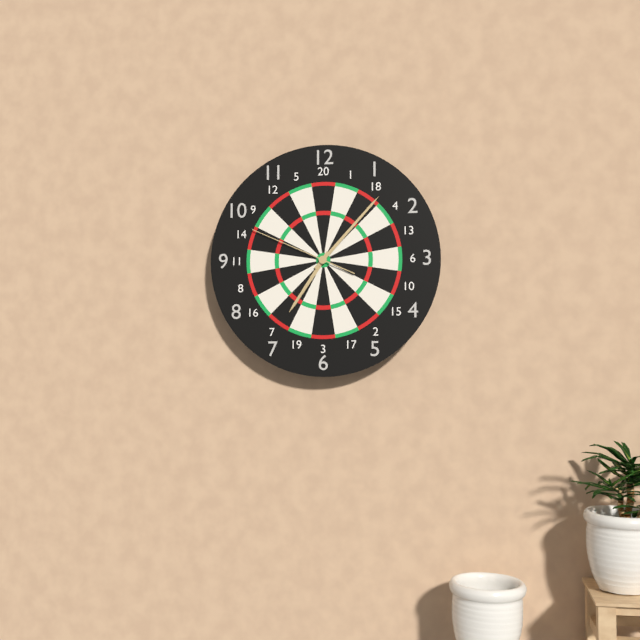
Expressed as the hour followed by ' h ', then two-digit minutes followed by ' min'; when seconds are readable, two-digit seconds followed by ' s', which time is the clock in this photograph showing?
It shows 7 h 07 min 49 s
